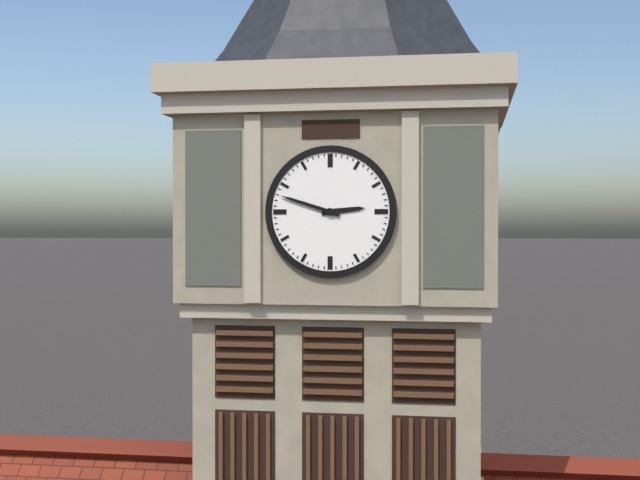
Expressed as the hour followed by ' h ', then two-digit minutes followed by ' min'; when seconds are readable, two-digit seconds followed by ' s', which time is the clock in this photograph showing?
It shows 2 h 48 min
